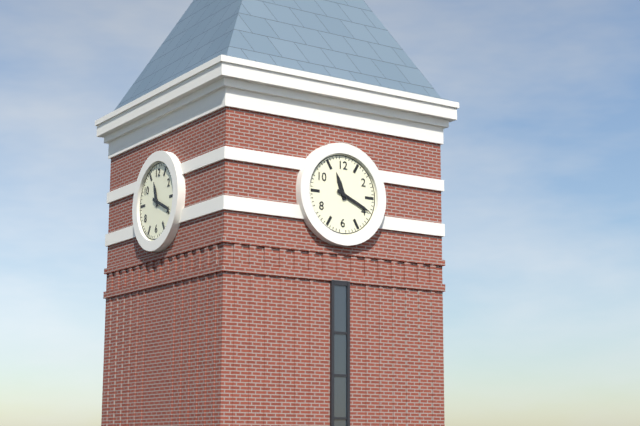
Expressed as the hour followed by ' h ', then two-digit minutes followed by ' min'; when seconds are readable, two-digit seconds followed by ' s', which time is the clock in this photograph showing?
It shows 11 h 19 min
